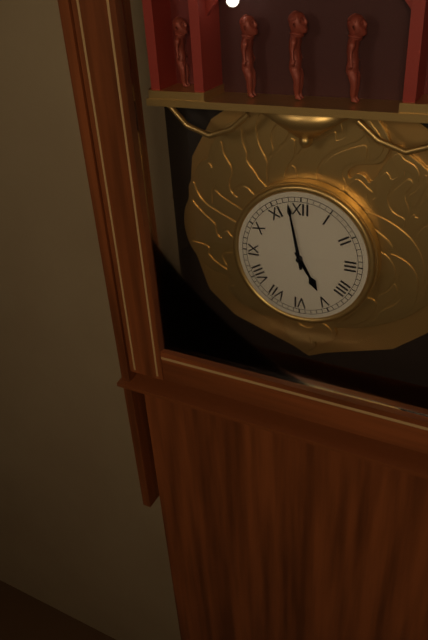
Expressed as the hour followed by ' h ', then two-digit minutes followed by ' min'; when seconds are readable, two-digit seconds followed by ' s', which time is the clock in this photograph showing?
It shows 4 h 58 min
